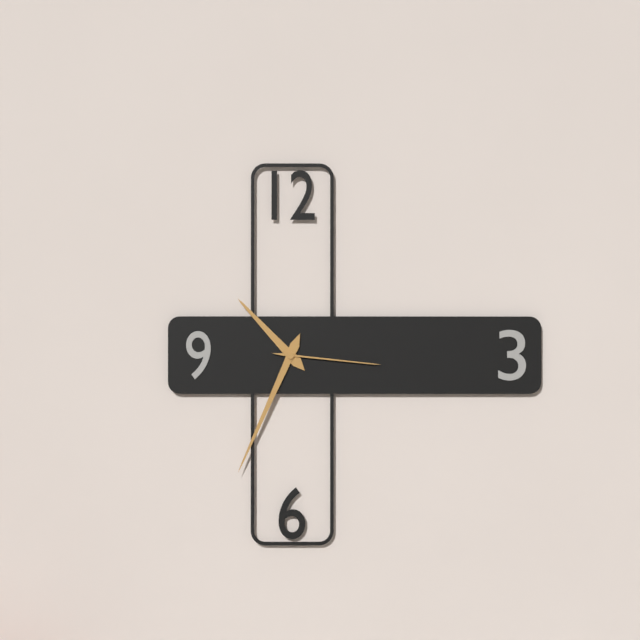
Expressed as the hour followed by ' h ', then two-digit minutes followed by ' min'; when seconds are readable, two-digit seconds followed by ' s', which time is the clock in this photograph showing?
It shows 10 h 34 min 16 s
